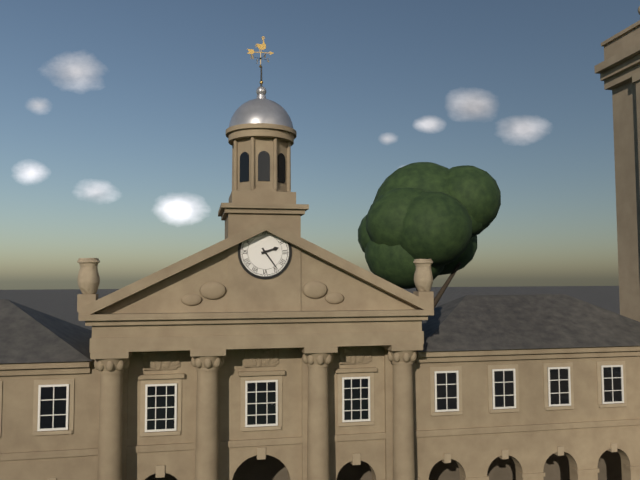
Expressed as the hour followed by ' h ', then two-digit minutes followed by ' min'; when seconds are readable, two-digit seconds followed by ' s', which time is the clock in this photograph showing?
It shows 2 h 24 min
